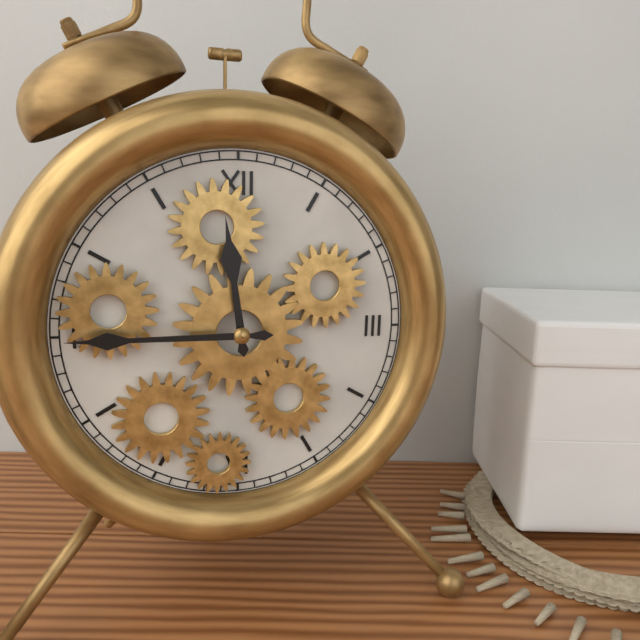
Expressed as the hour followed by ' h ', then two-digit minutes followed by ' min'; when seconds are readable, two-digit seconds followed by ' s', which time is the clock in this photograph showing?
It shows 11 h 45 min
